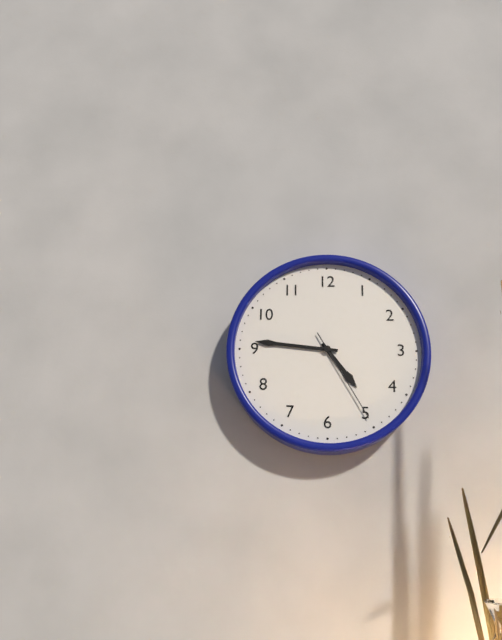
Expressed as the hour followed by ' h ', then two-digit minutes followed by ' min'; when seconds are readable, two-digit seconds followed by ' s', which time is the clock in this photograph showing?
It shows 4 h 46 min 25 s
